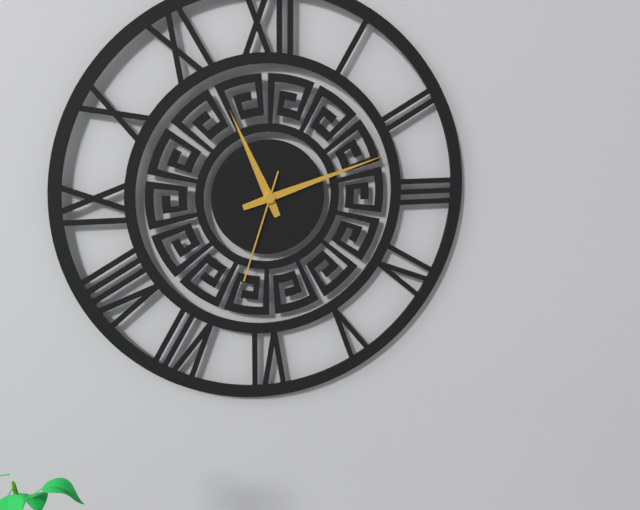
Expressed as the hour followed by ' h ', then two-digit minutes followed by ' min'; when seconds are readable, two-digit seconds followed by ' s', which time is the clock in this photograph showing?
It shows 11 h 12 min 33 s
